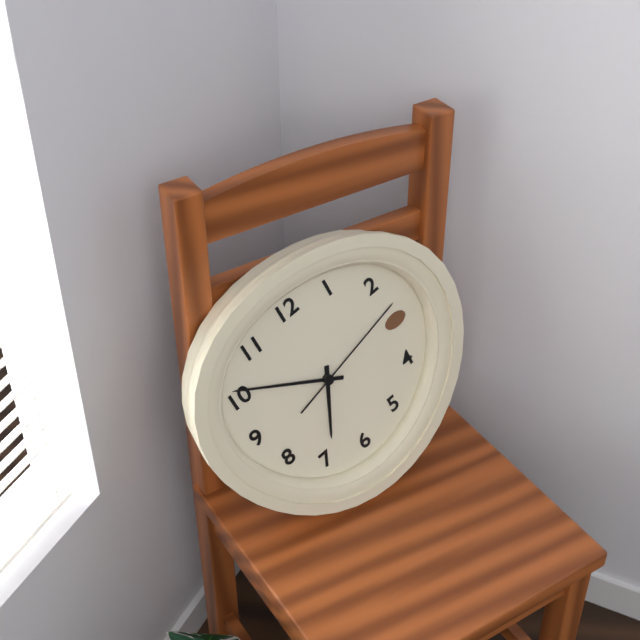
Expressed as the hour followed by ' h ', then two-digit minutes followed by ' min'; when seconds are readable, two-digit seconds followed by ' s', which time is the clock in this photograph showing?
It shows 6 h 51 min 13 s
